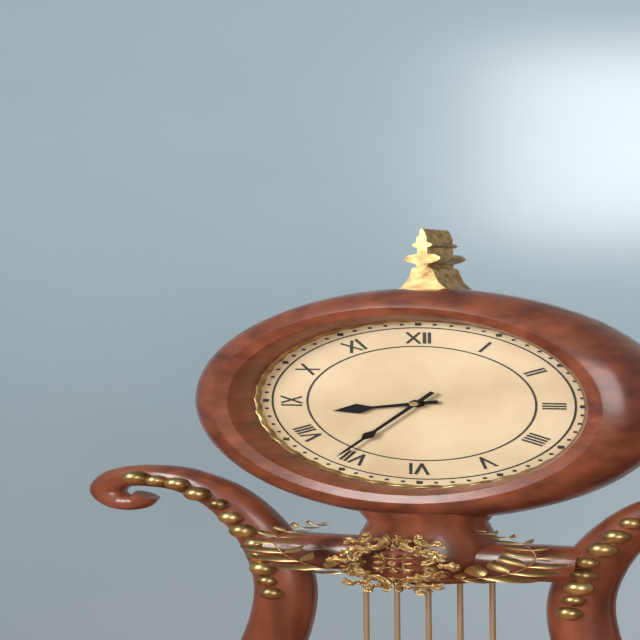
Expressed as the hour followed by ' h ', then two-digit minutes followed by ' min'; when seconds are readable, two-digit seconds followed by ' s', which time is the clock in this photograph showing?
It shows 8 h 36 min
